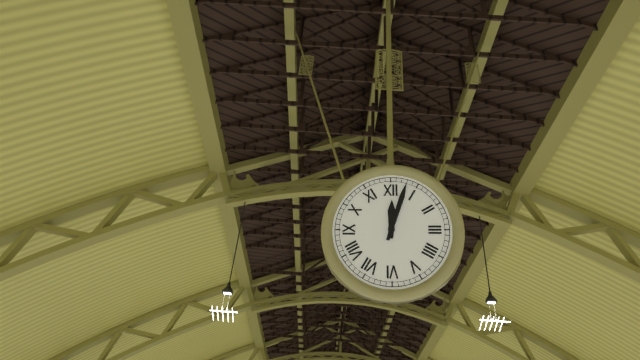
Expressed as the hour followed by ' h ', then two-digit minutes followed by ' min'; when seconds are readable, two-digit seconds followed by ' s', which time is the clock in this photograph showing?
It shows 12 h 03 min
